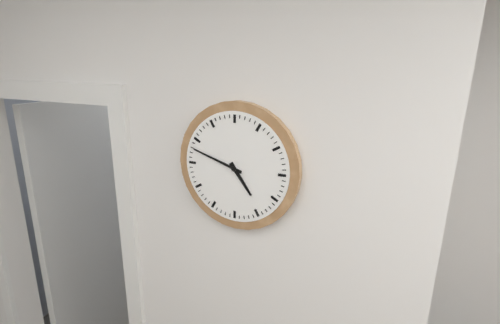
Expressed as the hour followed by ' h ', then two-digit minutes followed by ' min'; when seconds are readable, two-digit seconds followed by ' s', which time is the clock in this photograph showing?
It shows 4 h 48 min
